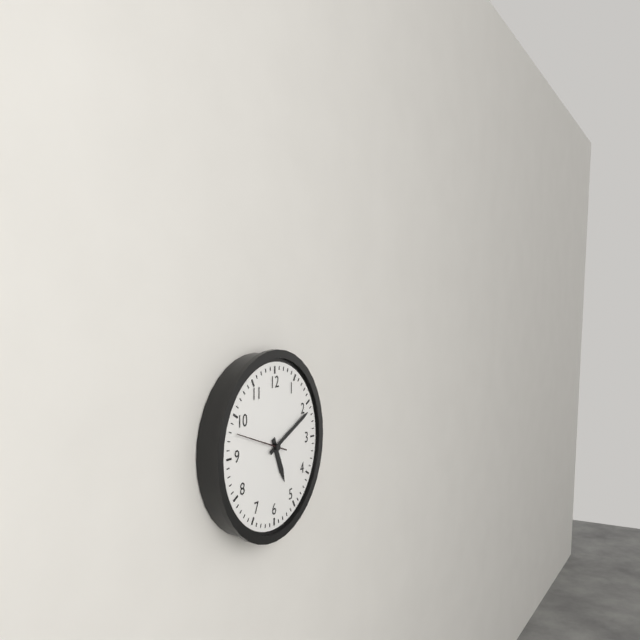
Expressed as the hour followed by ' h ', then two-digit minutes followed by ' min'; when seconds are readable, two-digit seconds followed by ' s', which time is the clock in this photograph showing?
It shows 5 h 11 min 48 s
